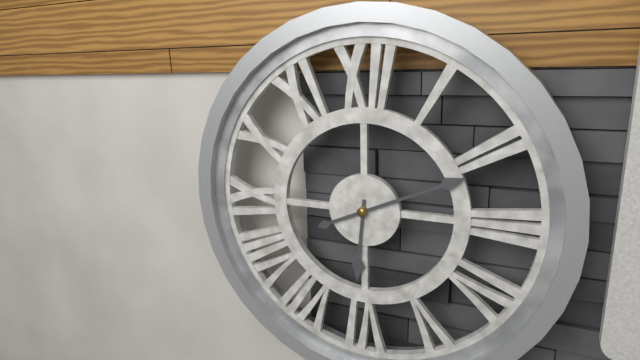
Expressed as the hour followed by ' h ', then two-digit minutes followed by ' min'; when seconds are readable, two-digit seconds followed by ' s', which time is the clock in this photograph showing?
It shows 6 h 11 min
